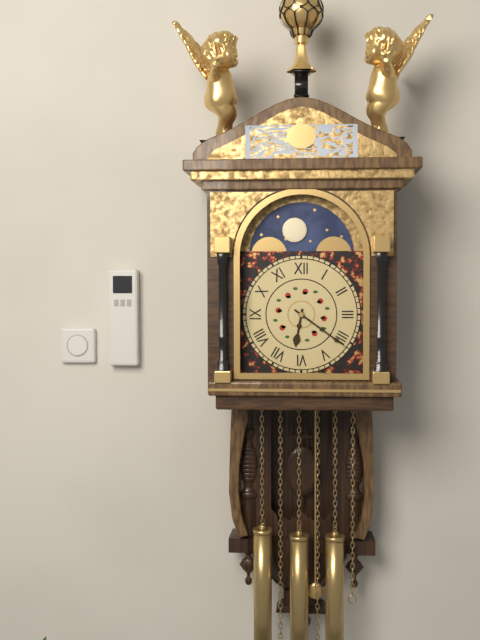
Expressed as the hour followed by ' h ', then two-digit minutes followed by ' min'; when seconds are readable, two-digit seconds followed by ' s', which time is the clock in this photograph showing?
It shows 6 h 21 min
